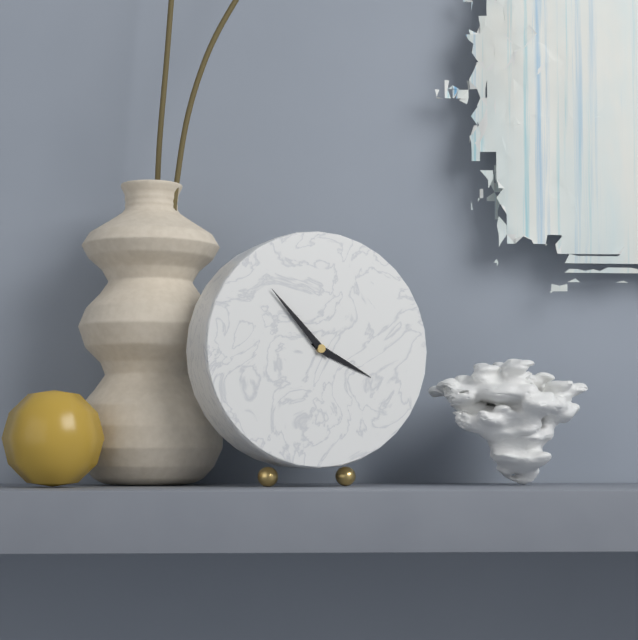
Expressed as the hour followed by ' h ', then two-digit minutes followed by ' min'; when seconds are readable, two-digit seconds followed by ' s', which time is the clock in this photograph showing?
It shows 3 h 53 min
